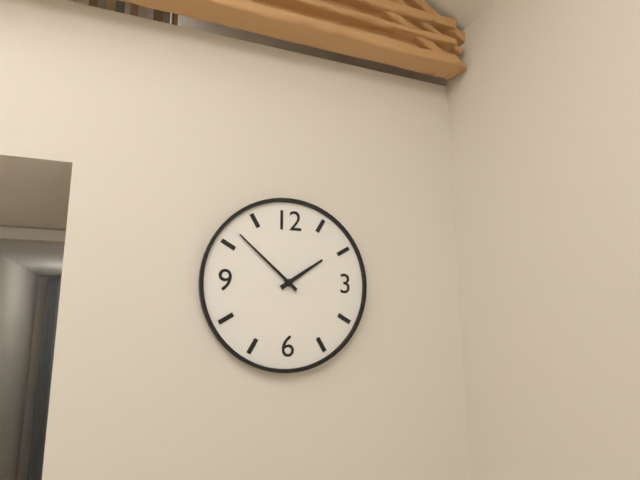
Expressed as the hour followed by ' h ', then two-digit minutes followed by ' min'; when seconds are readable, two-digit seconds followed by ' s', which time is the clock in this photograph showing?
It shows 1 h 52 min
